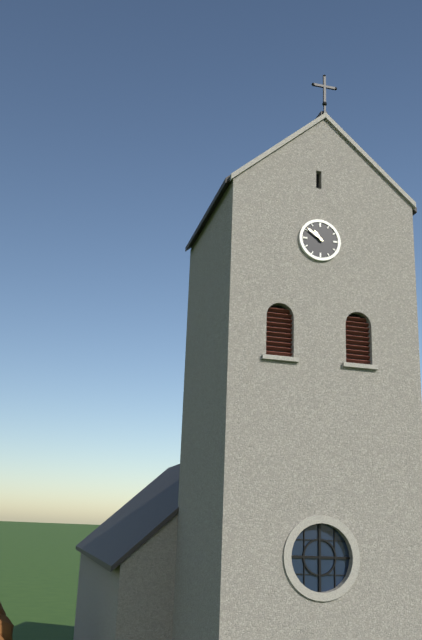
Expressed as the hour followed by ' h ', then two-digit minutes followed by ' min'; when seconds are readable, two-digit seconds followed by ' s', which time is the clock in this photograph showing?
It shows 10 h 51 min
